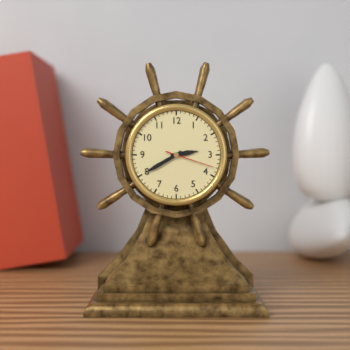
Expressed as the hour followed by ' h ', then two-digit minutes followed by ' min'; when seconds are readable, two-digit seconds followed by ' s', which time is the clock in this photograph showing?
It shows 2 h 40 min
